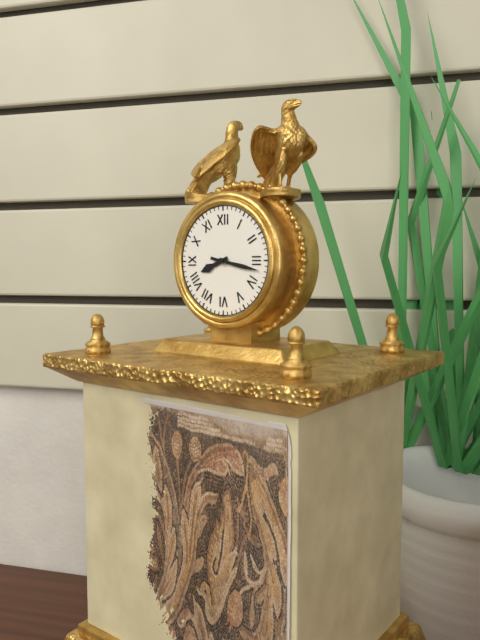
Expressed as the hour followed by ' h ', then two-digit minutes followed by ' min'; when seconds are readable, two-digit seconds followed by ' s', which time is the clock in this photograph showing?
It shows 8 h 17 min
